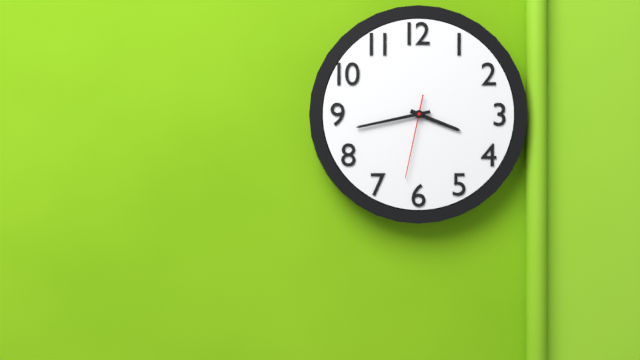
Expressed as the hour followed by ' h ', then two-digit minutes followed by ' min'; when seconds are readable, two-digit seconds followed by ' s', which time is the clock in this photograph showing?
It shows 3 h 43 min 32 s
